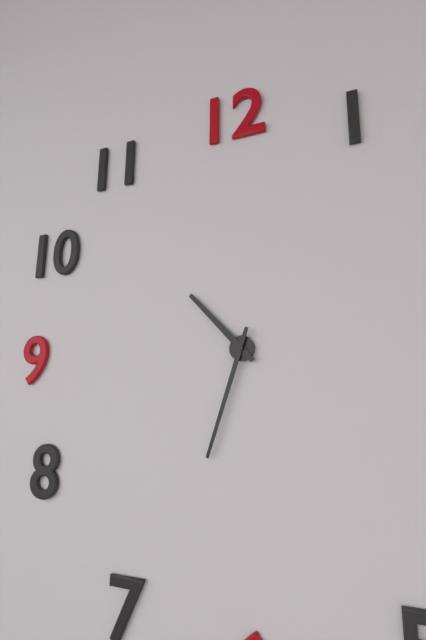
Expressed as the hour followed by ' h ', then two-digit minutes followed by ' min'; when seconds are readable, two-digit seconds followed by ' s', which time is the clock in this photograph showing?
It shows 10 h 33 min
